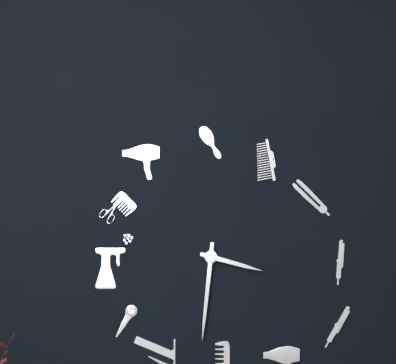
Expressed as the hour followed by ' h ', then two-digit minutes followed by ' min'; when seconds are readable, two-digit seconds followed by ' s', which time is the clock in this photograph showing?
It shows 3 h 31 min
